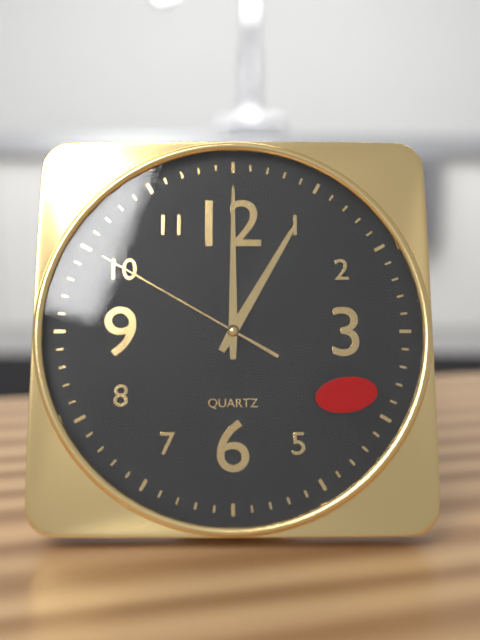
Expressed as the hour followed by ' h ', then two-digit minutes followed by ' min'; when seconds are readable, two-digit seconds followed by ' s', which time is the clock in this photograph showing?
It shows 1 h 00 min 50 s
